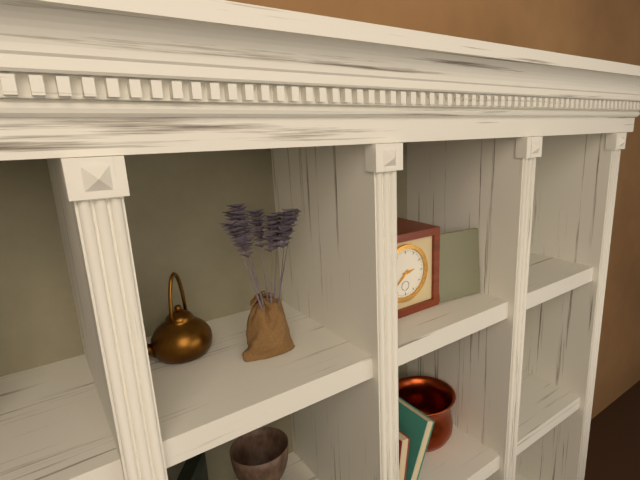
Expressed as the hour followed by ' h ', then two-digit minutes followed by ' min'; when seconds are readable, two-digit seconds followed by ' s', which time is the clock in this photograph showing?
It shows 2 h 38 min
